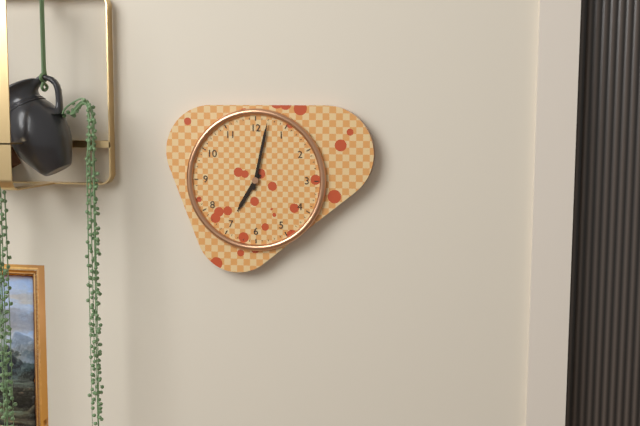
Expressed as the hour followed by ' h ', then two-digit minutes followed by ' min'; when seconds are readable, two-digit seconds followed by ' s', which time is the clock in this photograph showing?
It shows 7 h 02 min
